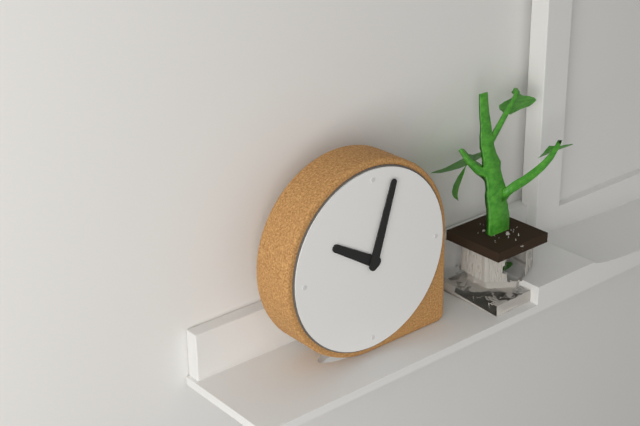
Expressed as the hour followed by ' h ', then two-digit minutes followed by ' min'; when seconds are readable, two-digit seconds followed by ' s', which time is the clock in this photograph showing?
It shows 10 h 03 min
